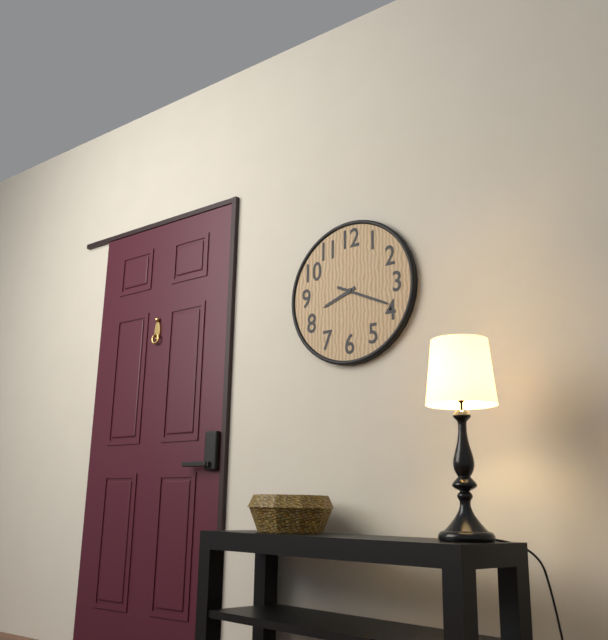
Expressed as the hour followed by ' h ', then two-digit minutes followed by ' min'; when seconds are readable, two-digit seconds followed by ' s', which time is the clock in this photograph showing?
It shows 8 h 19 min
